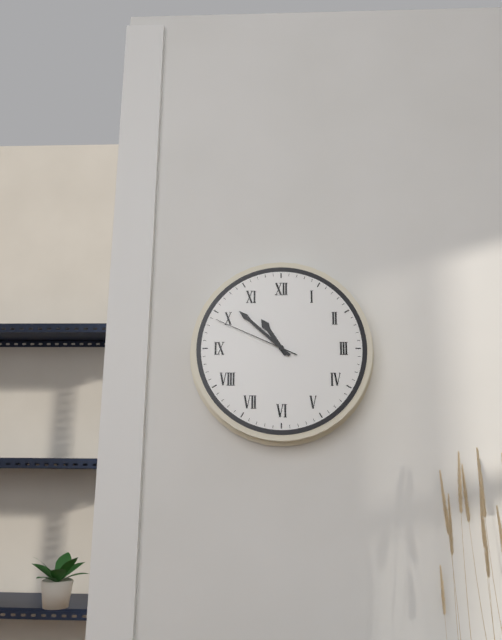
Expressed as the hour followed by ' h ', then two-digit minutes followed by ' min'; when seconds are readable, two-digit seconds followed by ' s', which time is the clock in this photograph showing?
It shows 10 h 52 min 49 s
